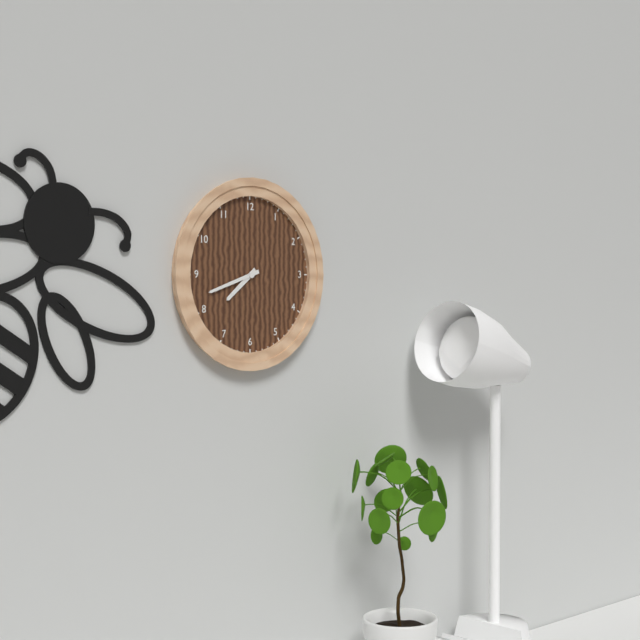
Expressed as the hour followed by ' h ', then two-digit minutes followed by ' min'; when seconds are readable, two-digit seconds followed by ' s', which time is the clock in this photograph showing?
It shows 7 h 42 min
